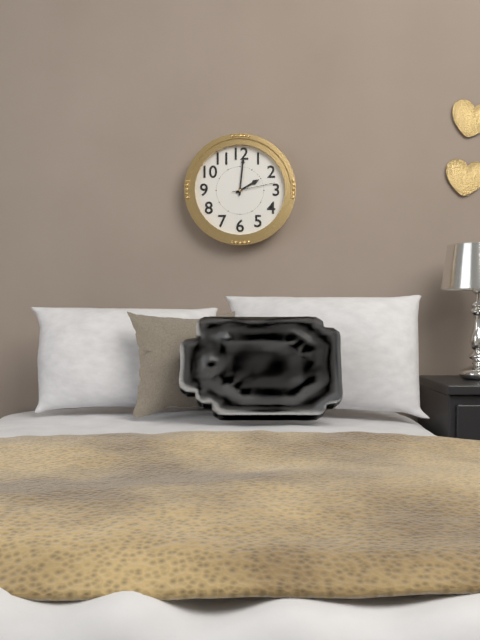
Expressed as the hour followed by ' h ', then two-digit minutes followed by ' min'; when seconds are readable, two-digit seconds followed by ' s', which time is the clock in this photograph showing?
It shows 2 h 01 min
